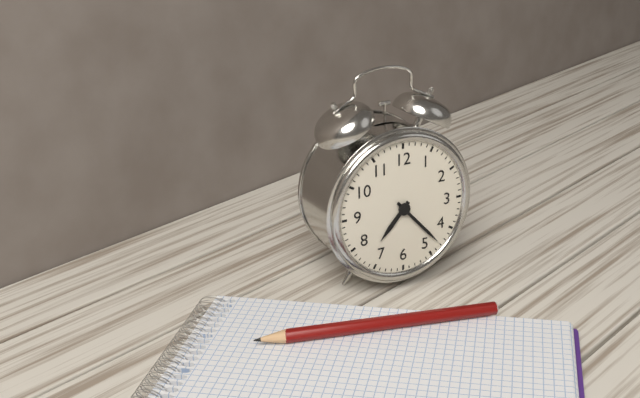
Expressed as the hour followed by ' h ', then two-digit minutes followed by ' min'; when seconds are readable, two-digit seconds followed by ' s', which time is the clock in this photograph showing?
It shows 7 h 23 min
